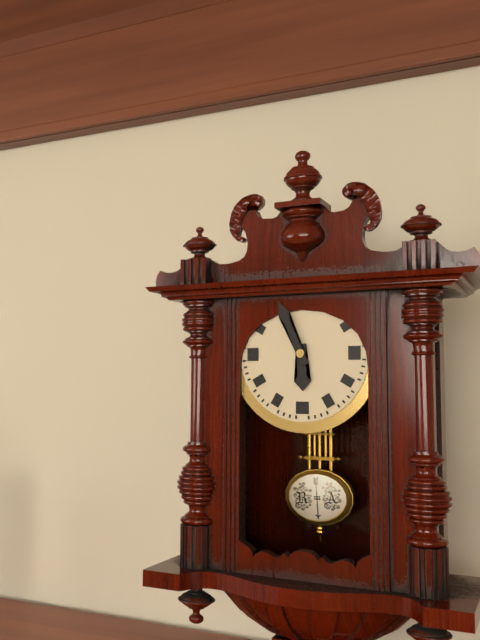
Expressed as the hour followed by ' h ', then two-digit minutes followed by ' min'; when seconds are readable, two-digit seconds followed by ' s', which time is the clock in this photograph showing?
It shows 5 h 56 min
